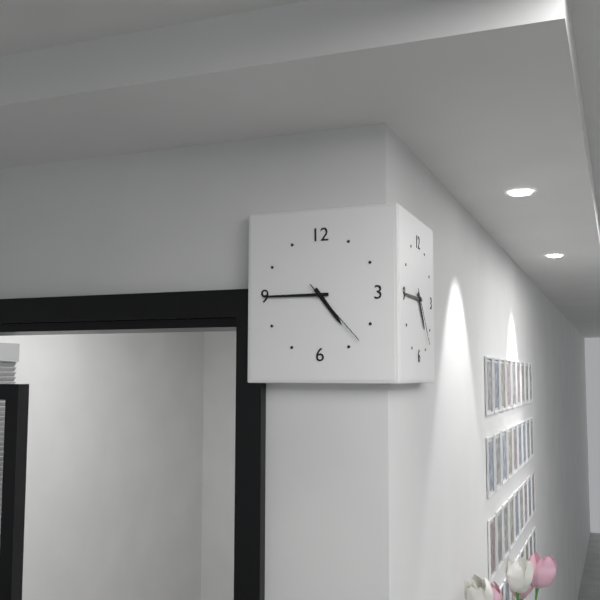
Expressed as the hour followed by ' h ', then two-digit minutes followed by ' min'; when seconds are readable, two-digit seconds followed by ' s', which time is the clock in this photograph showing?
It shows 4 h 45 min 23 s
